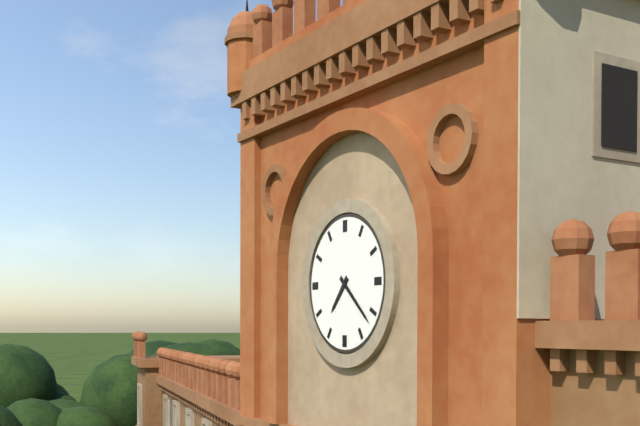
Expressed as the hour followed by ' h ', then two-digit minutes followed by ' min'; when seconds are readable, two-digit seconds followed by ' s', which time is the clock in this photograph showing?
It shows 7 h 22 min
